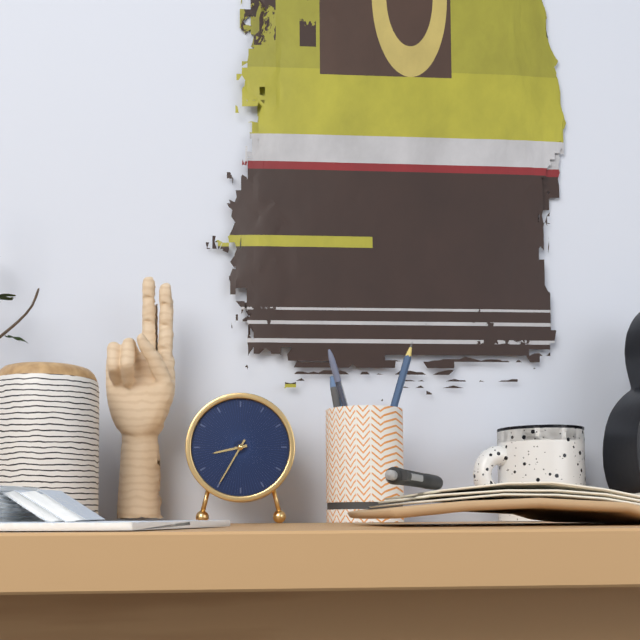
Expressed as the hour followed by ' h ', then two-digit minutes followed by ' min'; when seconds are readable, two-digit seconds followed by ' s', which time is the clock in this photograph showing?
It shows 8 h 35 min
